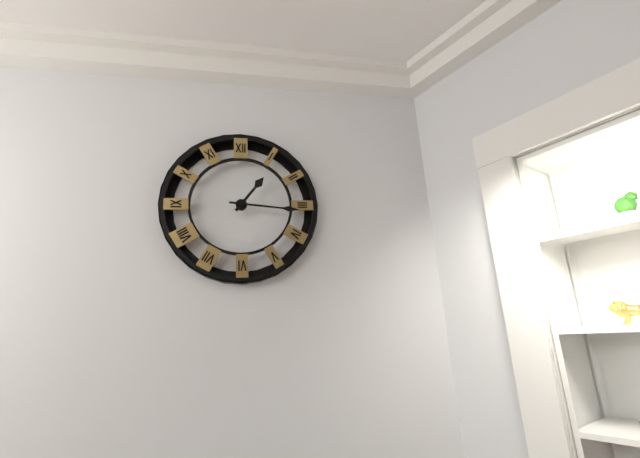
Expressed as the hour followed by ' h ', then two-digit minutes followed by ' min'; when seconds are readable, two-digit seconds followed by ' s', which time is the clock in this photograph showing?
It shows 1 h 16 min
